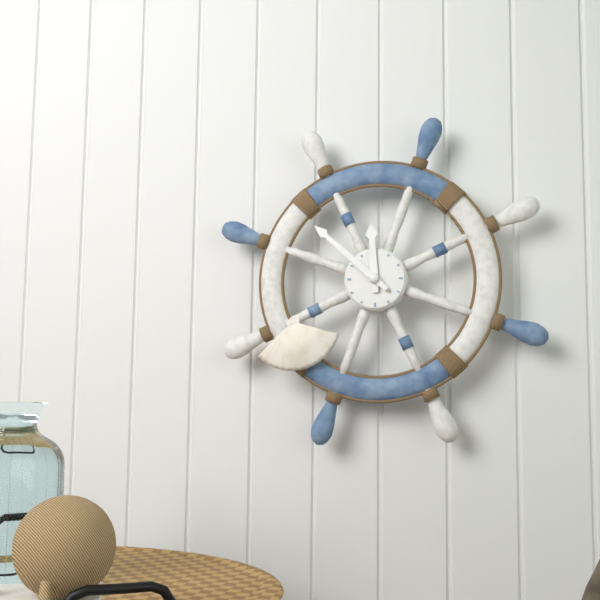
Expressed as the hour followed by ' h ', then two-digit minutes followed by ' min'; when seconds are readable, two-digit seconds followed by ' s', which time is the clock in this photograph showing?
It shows 11 h 52 min
